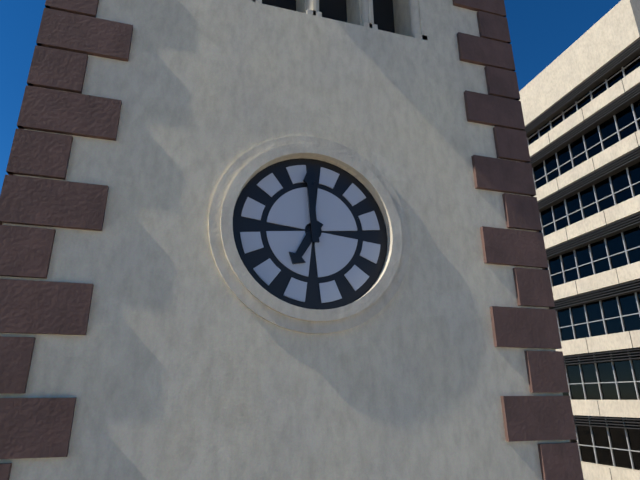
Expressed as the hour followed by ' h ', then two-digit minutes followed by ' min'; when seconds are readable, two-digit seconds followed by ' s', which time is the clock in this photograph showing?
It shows 6 h 59 min
